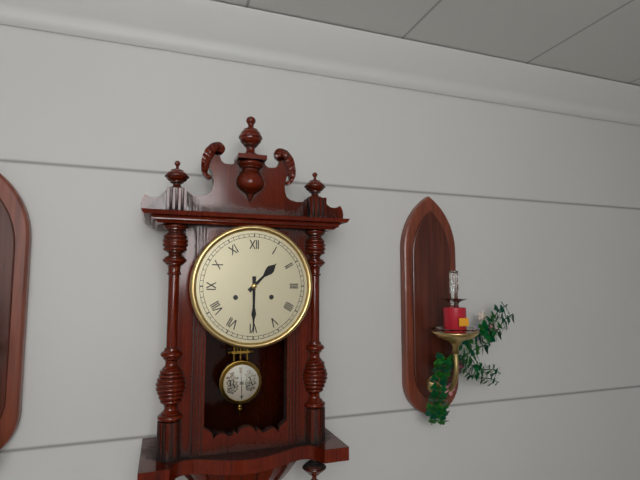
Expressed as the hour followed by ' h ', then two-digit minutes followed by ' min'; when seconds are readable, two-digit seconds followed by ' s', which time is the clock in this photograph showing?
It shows 1 h 30 min
